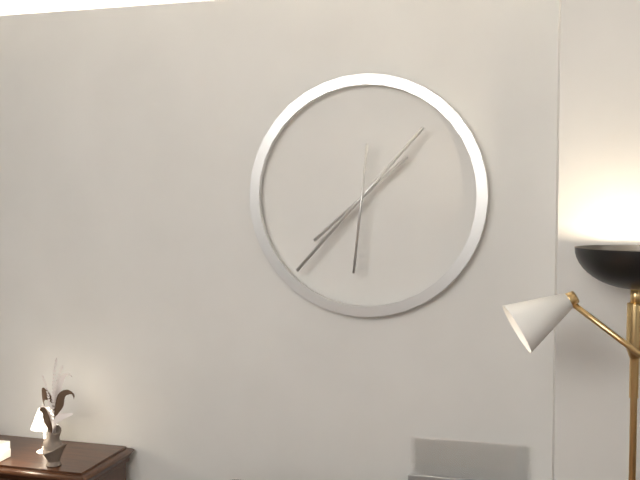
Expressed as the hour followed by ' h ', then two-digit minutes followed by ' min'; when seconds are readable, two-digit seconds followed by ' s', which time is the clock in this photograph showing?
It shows 7 h 37 min 31 s
